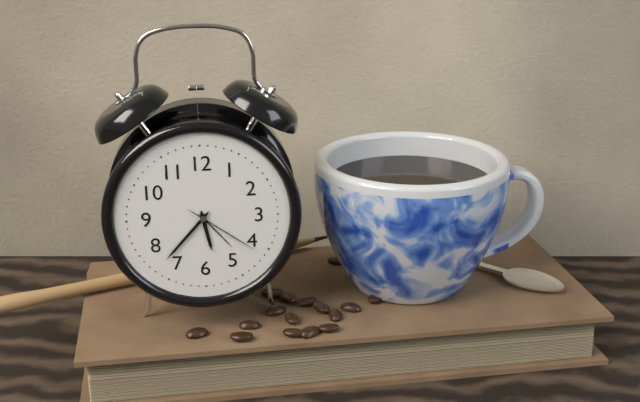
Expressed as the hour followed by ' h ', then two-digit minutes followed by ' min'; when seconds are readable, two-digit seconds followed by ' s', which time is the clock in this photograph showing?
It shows 5 h 37 min 21 s
